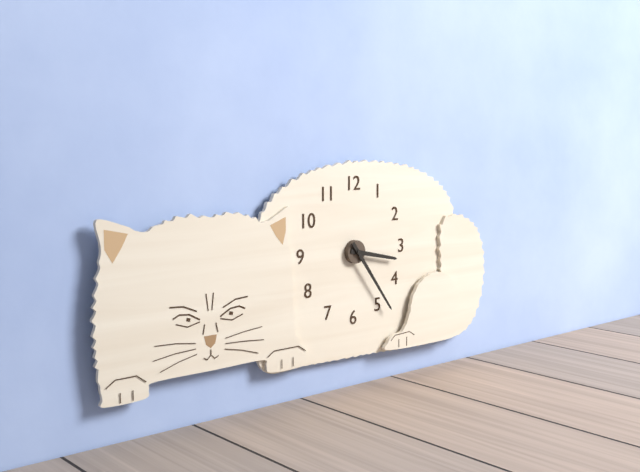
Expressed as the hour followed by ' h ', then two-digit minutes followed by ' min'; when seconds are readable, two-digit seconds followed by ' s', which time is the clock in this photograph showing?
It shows 3 h 24 min
